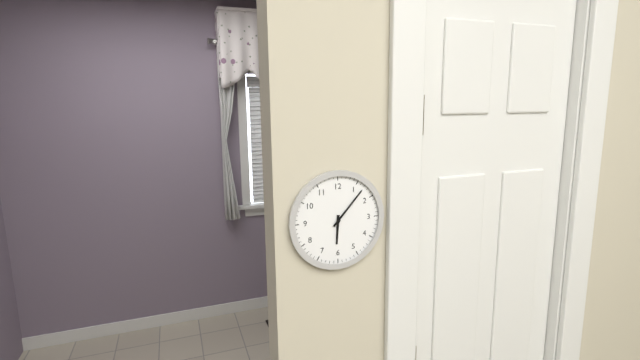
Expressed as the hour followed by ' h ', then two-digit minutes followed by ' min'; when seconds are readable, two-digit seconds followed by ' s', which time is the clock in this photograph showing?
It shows 6 h 07 min
